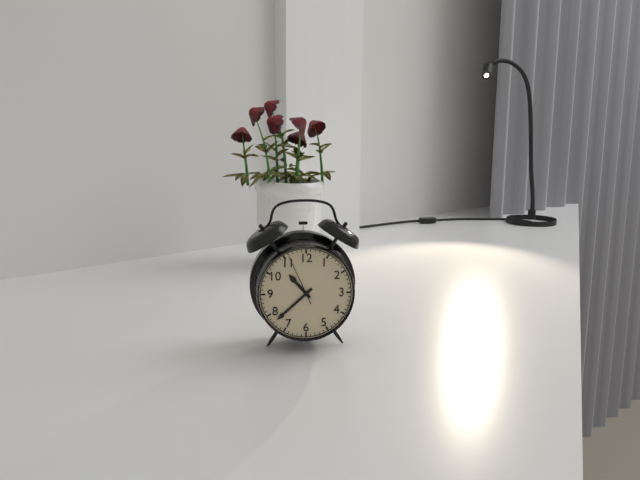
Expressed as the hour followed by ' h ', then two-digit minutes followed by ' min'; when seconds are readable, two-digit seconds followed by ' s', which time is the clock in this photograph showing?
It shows 10 h 38 min 56 s
